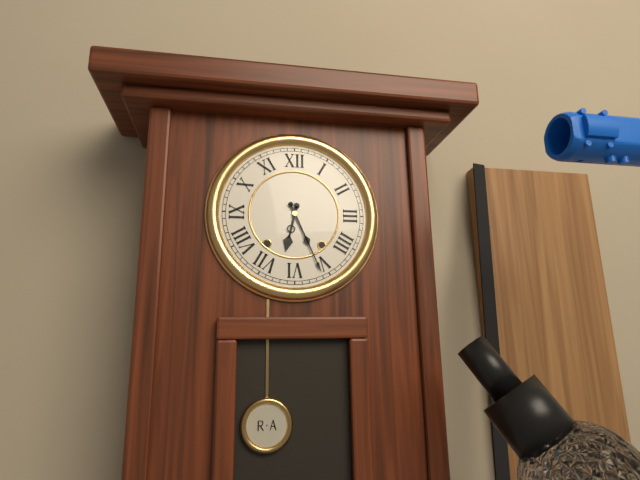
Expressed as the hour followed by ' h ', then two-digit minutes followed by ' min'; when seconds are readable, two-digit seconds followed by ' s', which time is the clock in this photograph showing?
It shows 6 h 26 min
